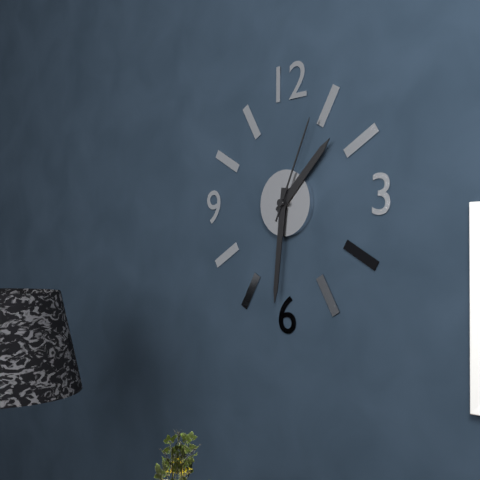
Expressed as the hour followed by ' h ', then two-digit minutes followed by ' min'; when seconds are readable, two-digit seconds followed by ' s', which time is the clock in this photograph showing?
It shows 1 h 31 min 04 s
